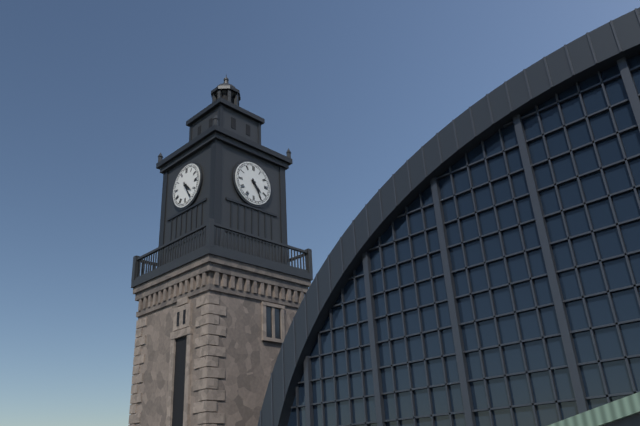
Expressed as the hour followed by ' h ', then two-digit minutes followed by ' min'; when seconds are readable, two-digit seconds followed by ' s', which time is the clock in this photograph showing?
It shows 4 h 25 min
